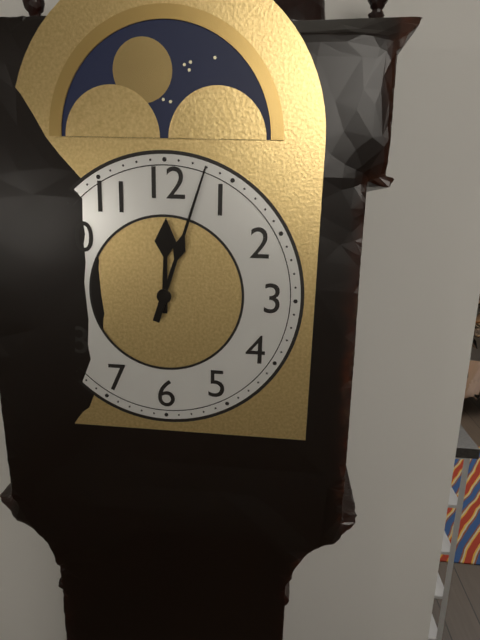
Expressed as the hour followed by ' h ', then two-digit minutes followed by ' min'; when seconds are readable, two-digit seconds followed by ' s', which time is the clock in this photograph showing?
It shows 12 h 03 min
